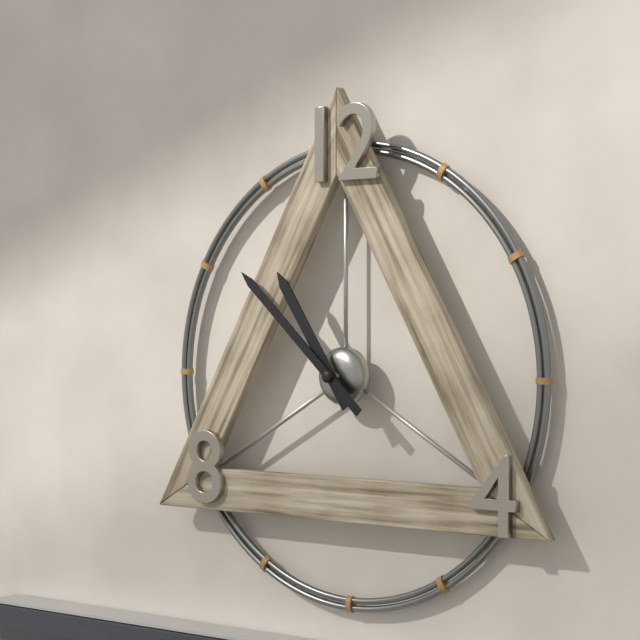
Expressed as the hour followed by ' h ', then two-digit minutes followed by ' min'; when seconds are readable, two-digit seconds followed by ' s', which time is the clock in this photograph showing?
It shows 10 h 52 min
